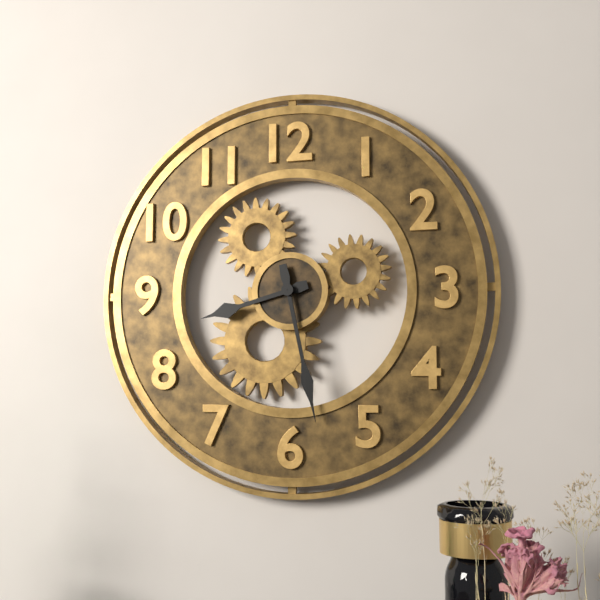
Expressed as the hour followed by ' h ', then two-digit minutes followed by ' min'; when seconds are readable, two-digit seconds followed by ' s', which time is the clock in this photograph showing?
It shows 8 h 28 min
